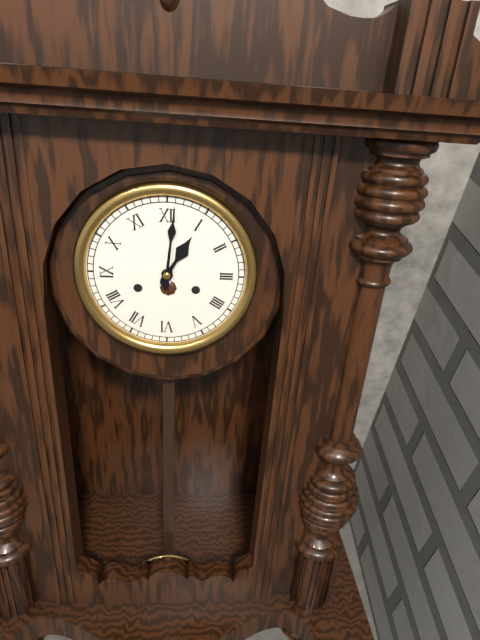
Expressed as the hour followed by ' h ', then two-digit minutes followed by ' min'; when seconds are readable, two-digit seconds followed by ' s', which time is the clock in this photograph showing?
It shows 1 h 01 min
